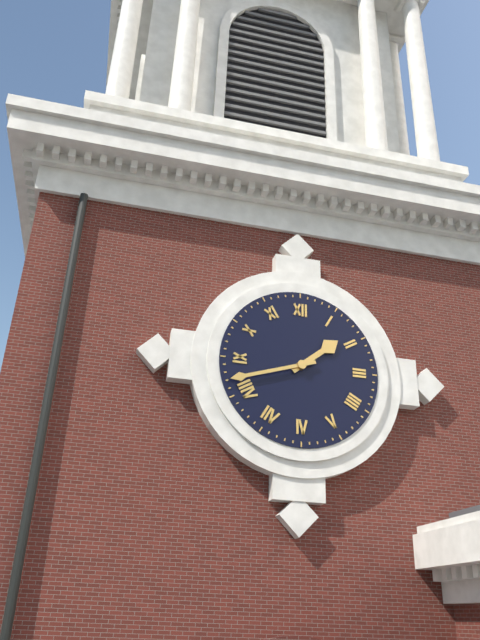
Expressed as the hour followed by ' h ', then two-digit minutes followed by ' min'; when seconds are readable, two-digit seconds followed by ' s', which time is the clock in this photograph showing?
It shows 1 h 42 min
